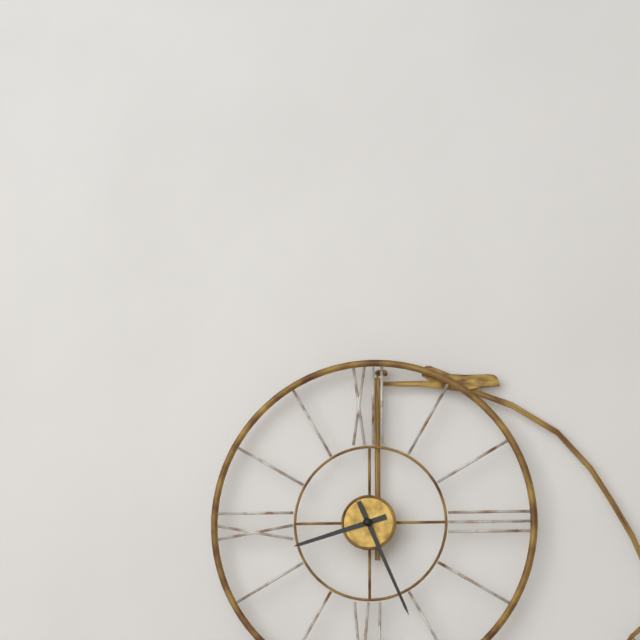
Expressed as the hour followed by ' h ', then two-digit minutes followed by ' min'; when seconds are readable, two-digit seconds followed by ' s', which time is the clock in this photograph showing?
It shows 8 h 26 min
